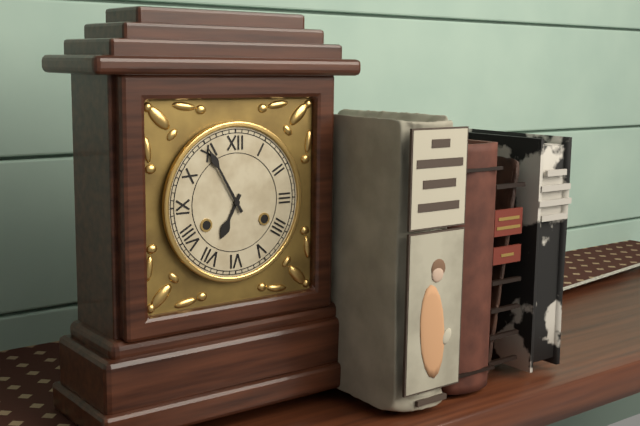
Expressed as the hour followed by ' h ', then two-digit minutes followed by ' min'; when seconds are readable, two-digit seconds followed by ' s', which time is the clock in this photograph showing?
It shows 6 h 55 min
